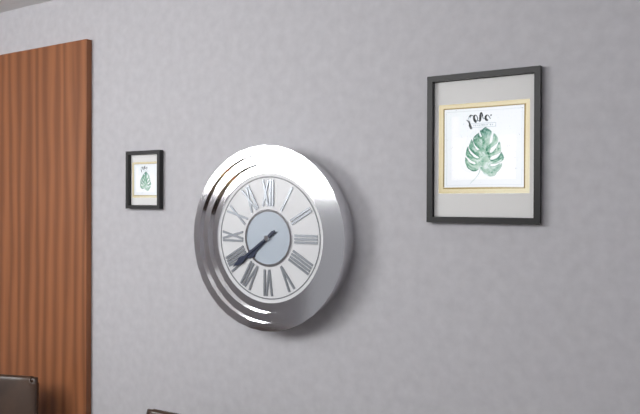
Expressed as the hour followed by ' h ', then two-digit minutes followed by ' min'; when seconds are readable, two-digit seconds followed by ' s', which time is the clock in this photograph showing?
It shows 7 h 39 min
